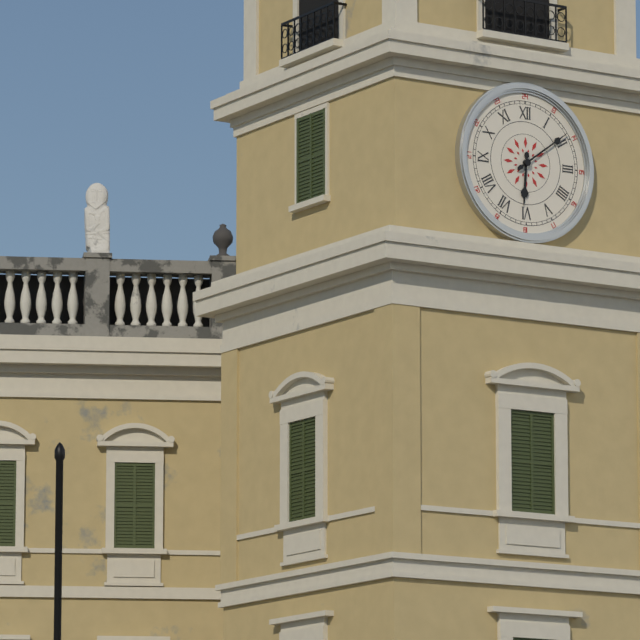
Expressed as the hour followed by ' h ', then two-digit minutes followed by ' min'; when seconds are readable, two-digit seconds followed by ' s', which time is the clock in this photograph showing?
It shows 6 h 09 min
